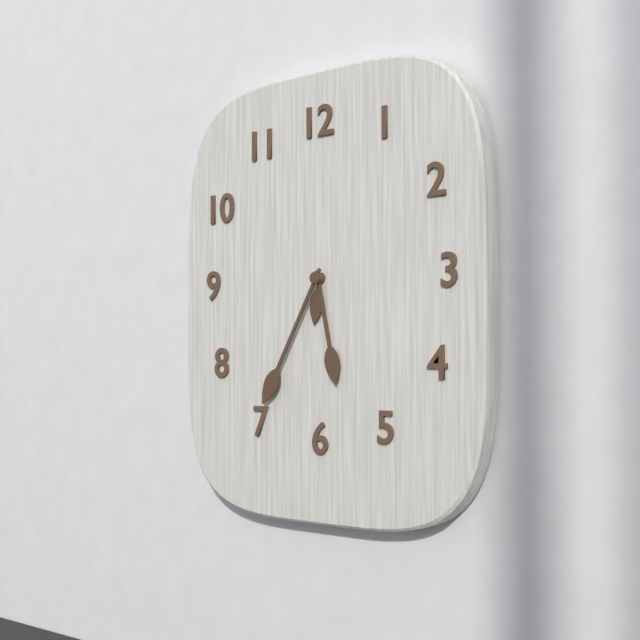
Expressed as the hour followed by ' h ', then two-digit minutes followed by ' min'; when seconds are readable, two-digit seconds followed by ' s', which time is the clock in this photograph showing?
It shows 5 h 35 min
